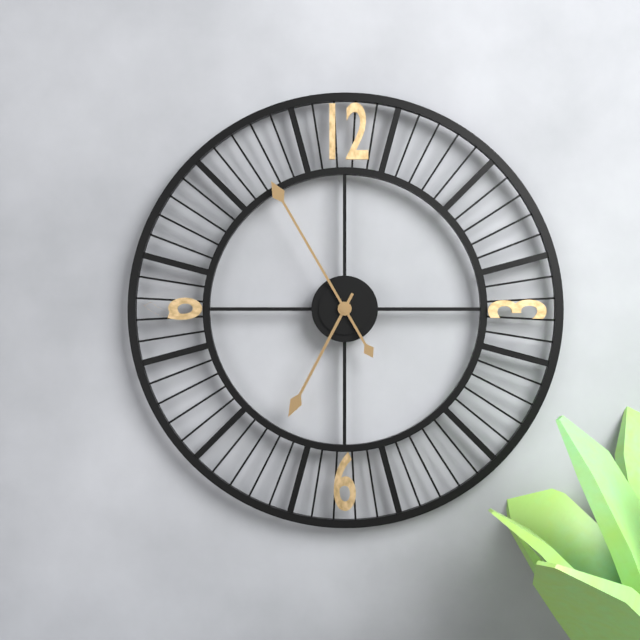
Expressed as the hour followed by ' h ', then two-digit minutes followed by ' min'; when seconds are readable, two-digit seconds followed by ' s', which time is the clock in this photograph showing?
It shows 6 h 55 min
